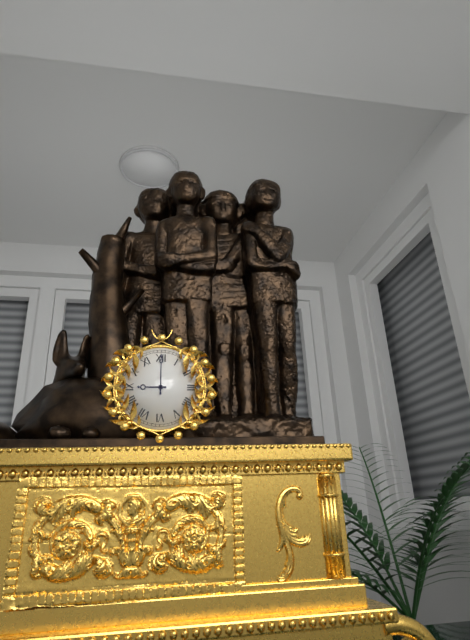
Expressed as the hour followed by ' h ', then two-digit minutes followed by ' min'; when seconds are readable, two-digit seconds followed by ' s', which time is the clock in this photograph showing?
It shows 9 h 00 min
